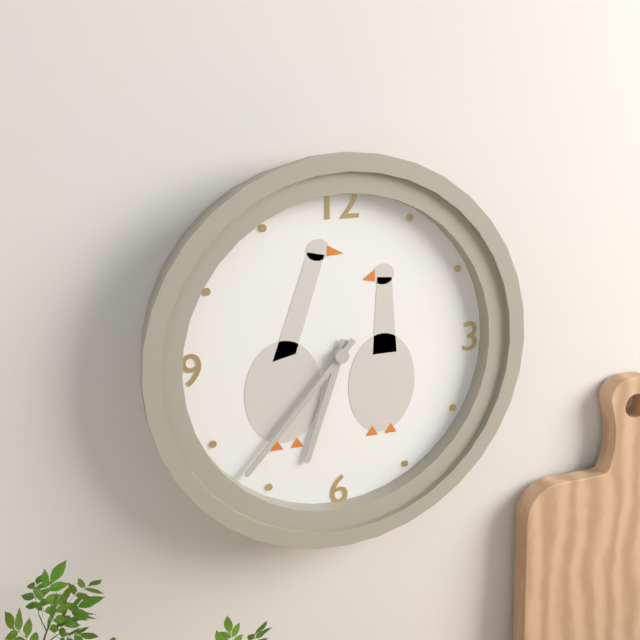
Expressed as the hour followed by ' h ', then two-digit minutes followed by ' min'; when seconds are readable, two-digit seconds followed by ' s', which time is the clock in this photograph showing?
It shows 6 h 37 min
